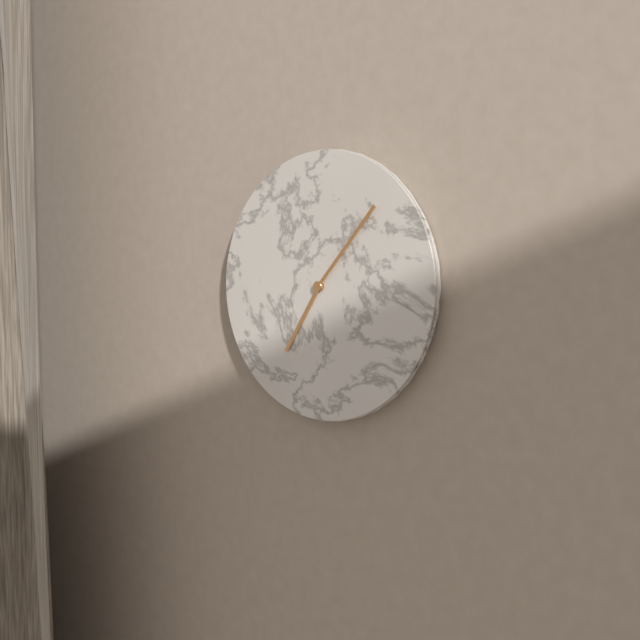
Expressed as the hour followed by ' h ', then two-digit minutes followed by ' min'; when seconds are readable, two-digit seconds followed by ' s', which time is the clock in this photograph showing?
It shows 7 h 07 min
